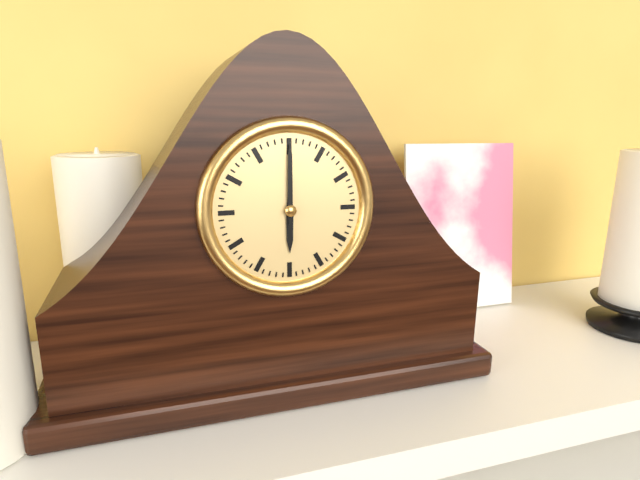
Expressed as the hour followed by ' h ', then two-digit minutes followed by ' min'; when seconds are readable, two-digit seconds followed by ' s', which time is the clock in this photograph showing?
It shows 6 h 00 min
